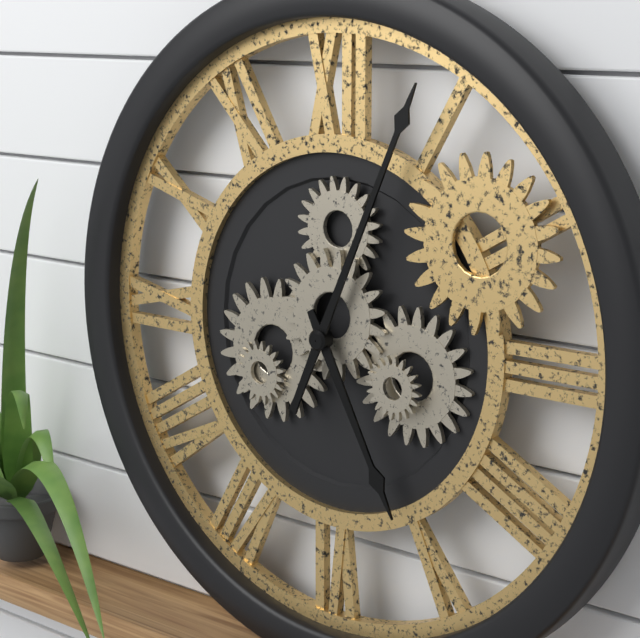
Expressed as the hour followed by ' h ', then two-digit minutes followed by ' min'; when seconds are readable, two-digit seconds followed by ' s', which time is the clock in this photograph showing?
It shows 5 h 04 min
